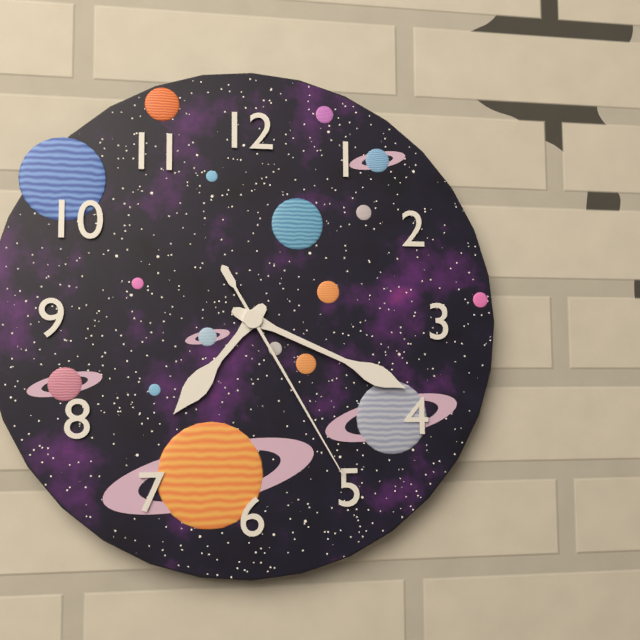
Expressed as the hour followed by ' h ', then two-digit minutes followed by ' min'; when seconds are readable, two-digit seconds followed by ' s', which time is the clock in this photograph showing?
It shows 7 h 19 min 25 s
